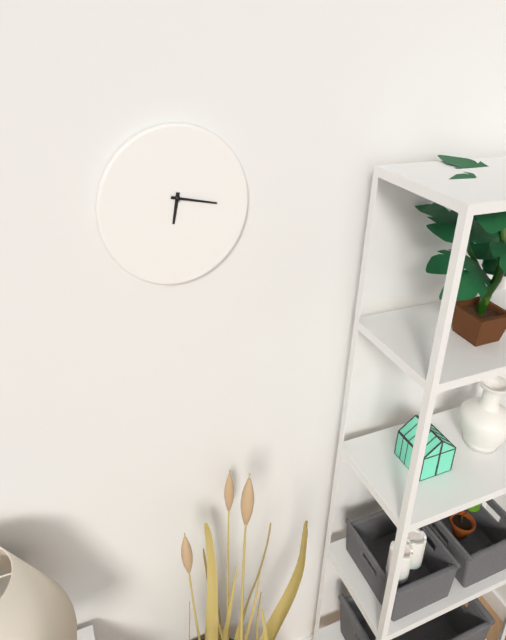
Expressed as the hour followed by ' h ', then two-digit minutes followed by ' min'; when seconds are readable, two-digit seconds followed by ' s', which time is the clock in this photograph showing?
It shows 6 h 17 min
